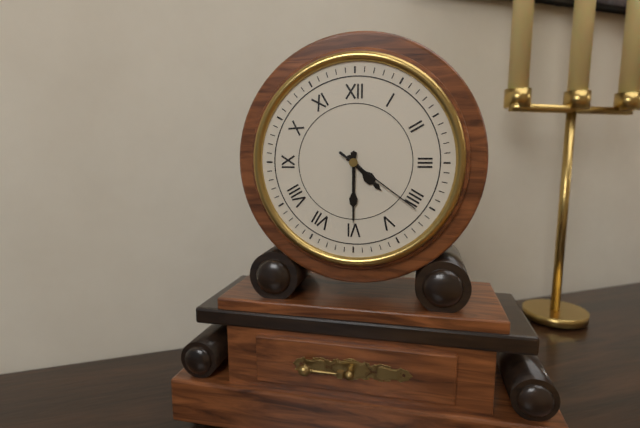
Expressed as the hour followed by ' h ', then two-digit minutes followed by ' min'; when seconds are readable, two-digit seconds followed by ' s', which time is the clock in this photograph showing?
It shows 4 h 30 min 21 s
